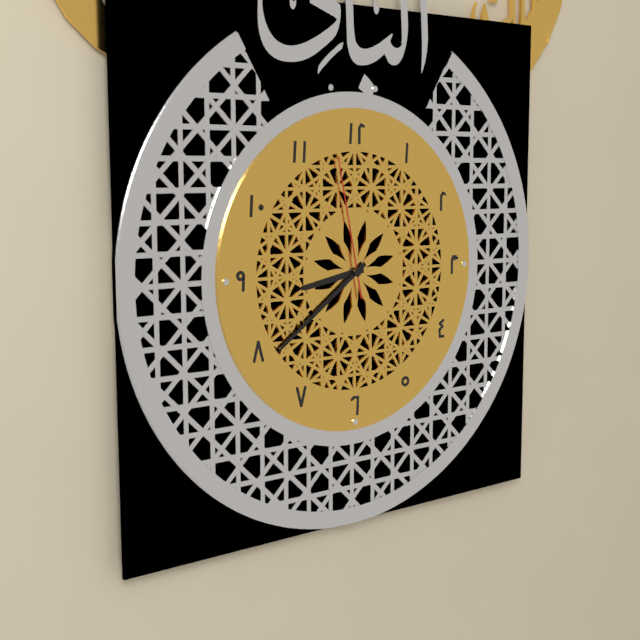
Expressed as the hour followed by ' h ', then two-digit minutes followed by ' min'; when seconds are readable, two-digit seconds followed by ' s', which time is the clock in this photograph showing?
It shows 8 h 39 min 58 s
